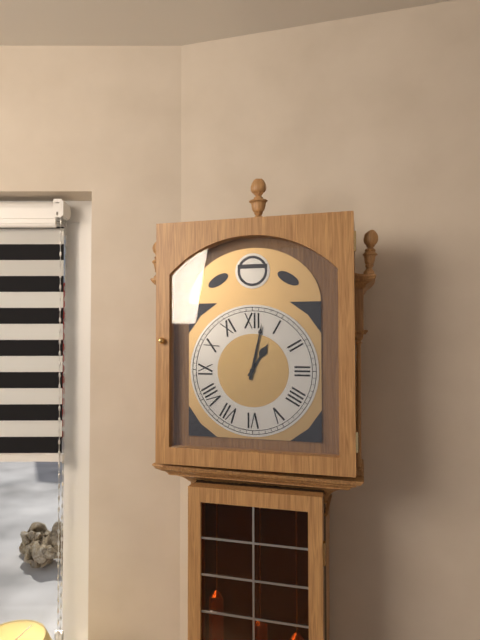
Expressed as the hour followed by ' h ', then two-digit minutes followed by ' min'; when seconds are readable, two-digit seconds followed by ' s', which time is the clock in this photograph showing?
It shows 1 h 02 min
